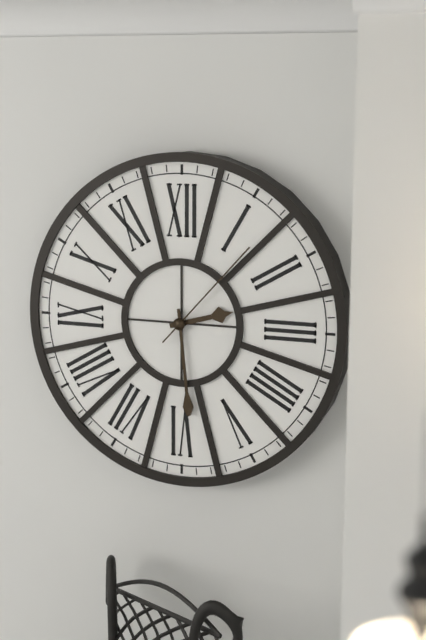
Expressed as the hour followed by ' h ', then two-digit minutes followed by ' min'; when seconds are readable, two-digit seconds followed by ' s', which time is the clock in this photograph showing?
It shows 2 h 29 min 07 s
